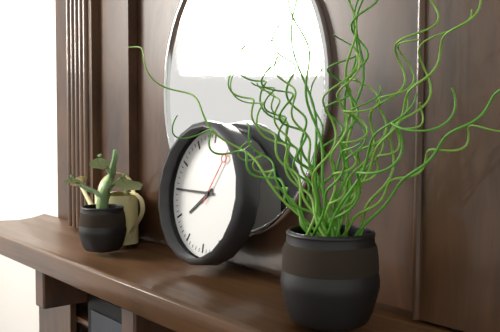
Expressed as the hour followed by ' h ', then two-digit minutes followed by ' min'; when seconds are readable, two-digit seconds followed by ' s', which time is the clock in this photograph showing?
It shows 7 h 45 min 05 s
